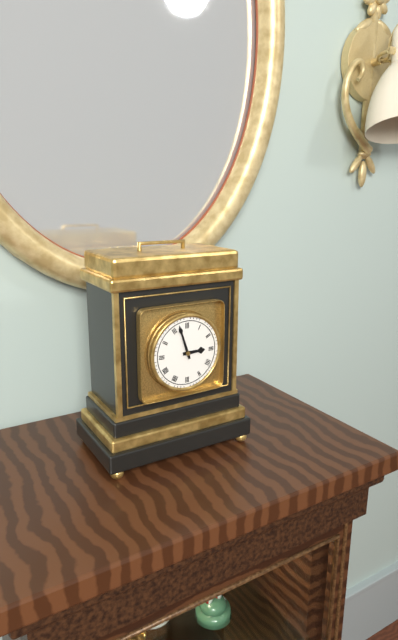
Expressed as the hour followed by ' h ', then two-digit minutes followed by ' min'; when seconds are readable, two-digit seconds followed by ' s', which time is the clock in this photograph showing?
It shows 2 h 57 min
